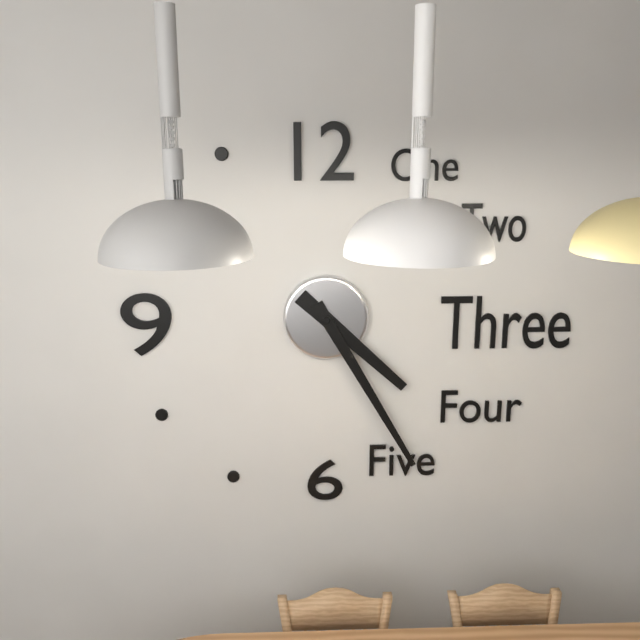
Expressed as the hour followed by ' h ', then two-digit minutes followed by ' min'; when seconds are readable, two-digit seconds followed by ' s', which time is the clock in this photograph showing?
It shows 4 h 25 min
